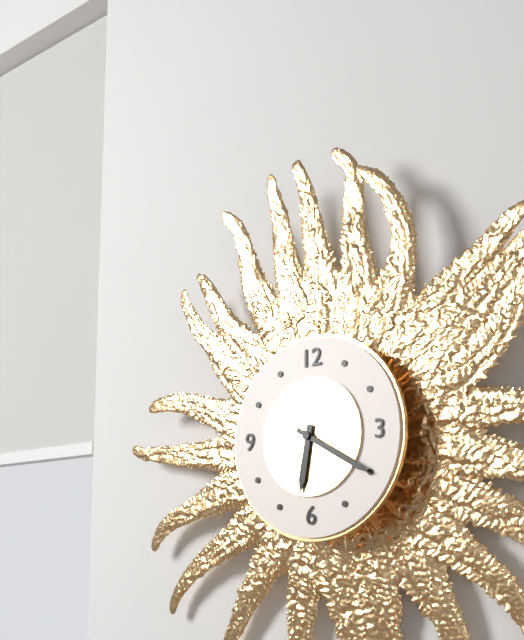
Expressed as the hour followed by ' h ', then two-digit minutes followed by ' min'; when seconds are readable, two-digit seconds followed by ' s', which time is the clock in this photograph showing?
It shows 6 h 20 min
